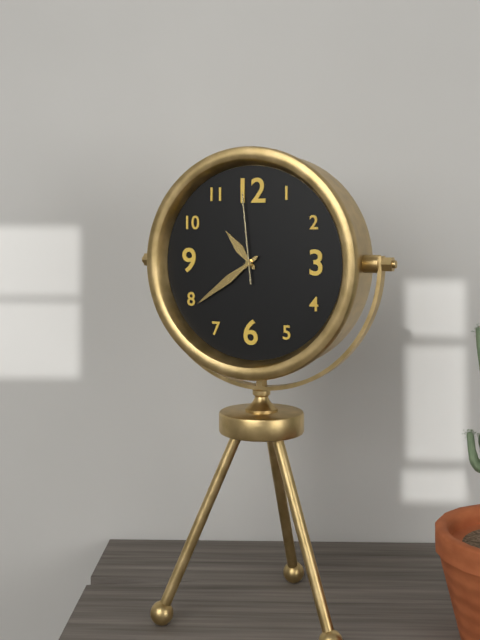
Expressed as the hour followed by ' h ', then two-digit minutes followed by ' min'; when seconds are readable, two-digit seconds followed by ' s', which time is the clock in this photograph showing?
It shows 10 h 39 min 59 s
